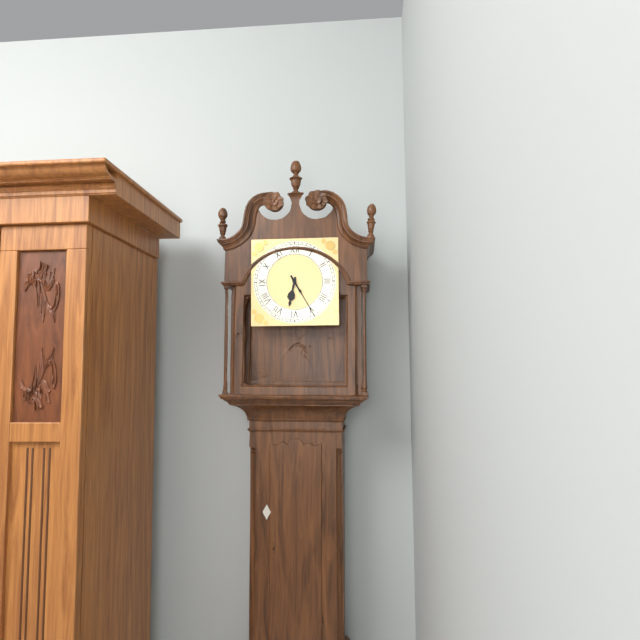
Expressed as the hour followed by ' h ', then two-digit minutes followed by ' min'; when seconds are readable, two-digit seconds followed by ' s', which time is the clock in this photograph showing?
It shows 6 h 25 min
